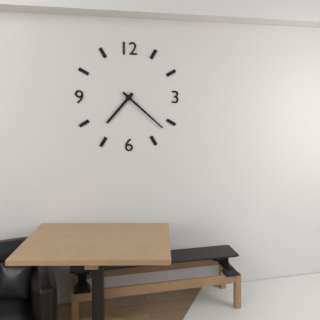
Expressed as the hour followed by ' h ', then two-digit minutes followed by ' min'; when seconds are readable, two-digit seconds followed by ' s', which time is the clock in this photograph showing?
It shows 7 h 22 min
